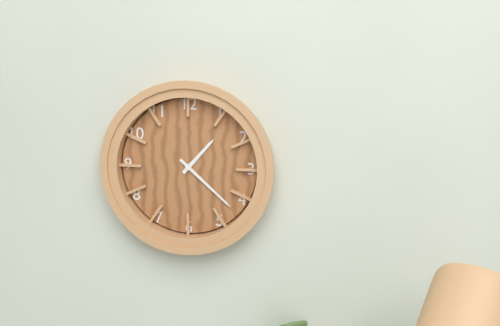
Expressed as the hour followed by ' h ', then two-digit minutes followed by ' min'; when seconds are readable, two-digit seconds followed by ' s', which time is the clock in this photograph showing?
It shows 1 h 22 min
